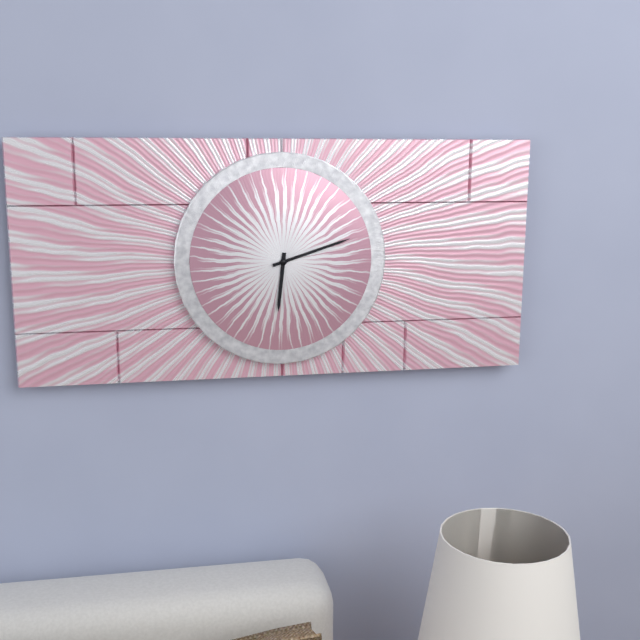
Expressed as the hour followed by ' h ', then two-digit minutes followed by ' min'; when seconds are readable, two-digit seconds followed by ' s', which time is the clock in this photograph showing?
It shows 6 h 12 min
